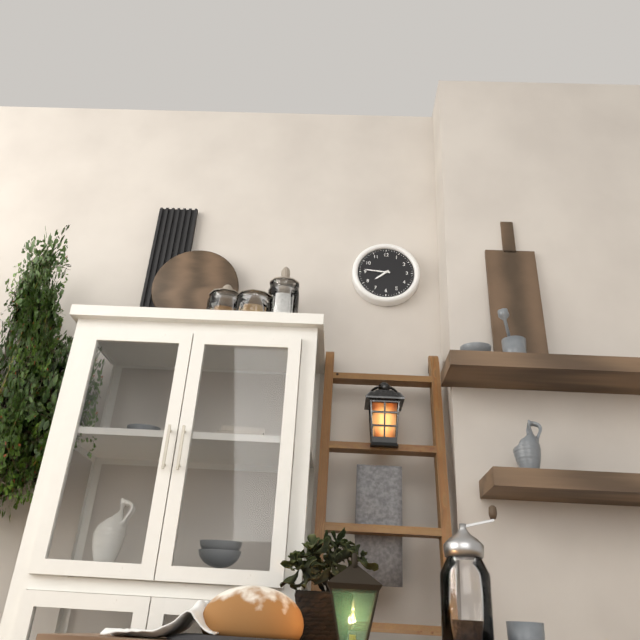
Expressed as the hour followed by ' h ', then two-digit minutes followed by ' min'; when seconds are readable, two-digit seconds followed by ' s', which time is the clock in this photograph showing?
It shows 7 h 46 min
